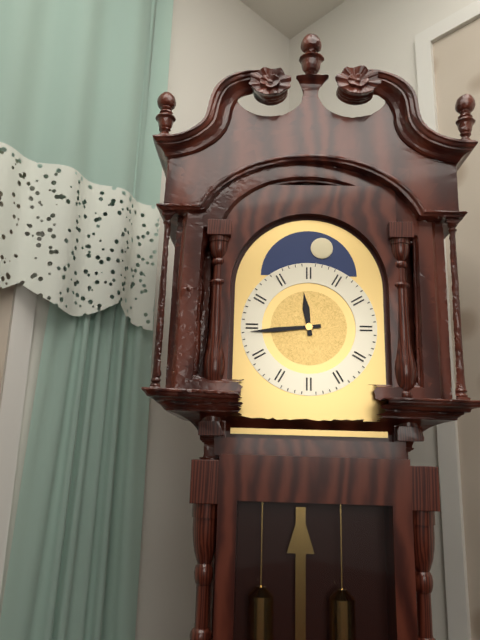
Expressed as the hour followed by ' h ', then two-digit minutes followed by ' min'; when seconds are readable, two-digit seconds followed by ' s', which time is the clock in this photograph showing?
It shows 11 h 44 min
